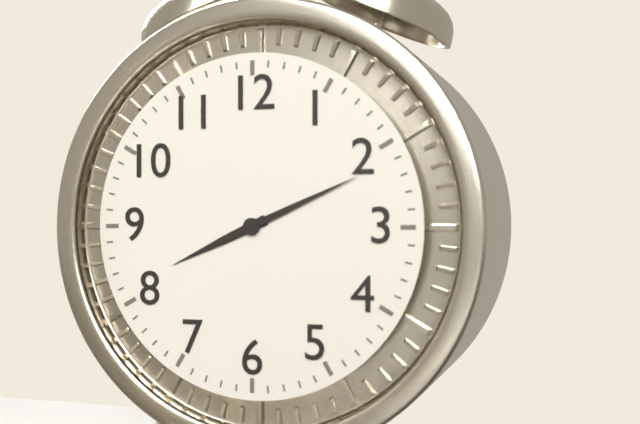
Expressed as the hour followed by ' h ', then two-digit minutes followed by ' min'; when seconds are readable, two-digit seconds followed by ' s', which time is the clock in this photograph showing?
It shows 8 h 11 min
